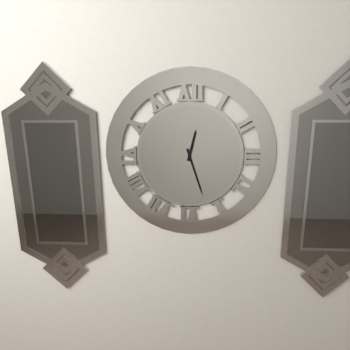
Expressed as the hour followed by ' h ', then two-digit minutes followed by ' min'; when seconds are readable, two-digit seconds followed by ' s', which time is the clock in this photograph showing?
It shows 12 h 27 min
